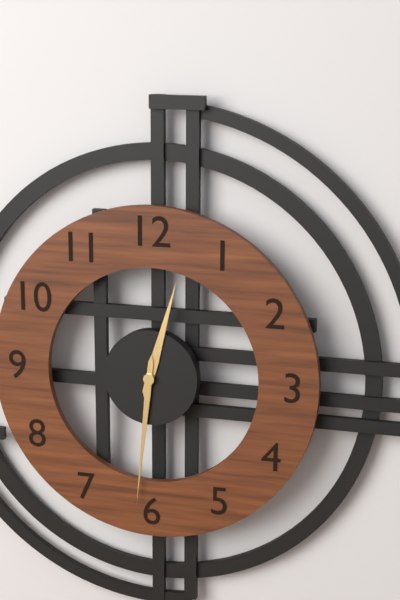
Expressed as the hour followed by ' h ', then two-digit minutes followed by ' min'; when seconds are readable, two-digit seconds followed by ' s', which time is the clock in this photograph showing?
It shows 12 h 31 min
